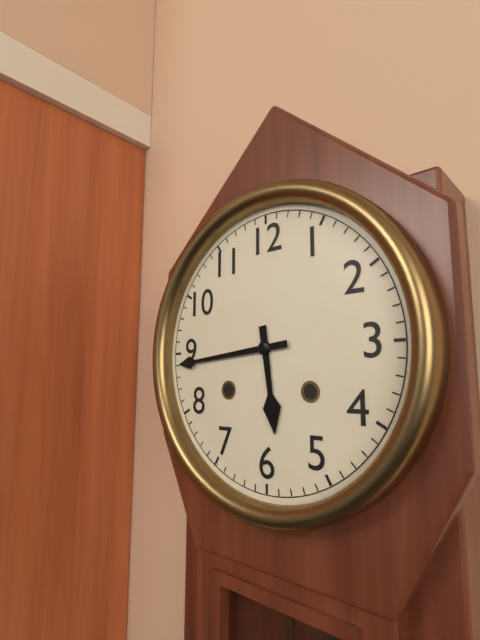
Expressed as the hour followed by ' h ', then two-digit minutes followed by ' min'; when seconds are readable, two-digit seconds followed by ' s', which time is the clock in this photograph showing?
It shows 5 h 44 min
